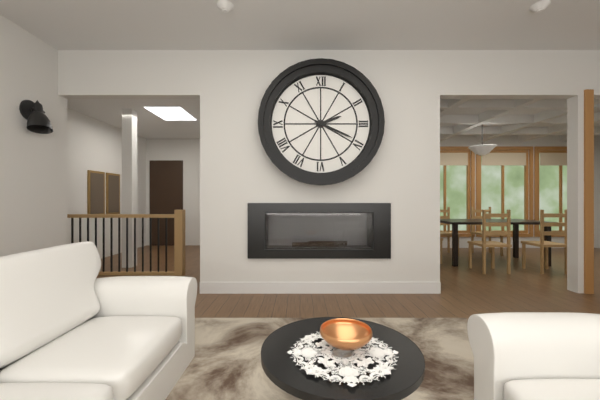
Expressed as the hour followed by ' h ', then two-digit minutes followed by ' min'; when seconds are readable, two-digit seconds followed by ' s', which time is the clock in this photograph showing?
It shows 2 h 19 min
